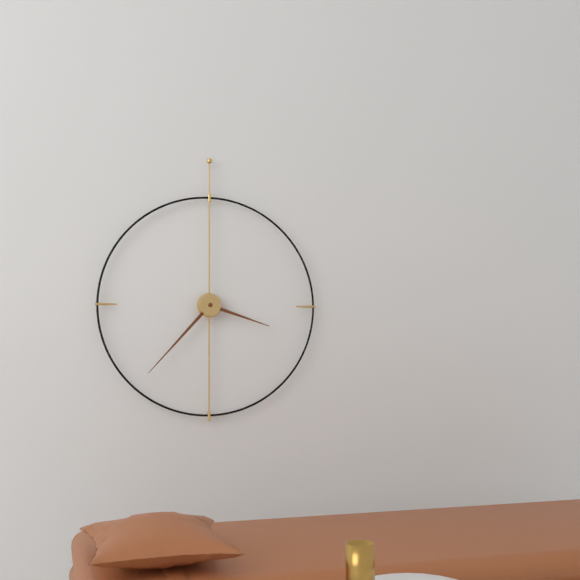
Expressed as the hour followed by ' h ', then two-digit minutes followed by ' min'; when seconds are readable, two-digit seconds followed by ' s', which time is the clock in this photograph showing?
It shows 3 h 37 min
